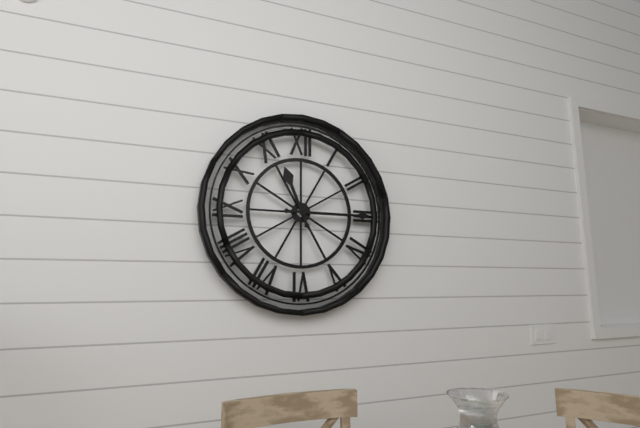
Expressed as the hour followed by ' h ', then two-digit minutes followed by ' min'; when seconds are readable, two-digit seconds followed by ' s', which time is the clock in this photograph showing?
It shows 11 h 15 min
